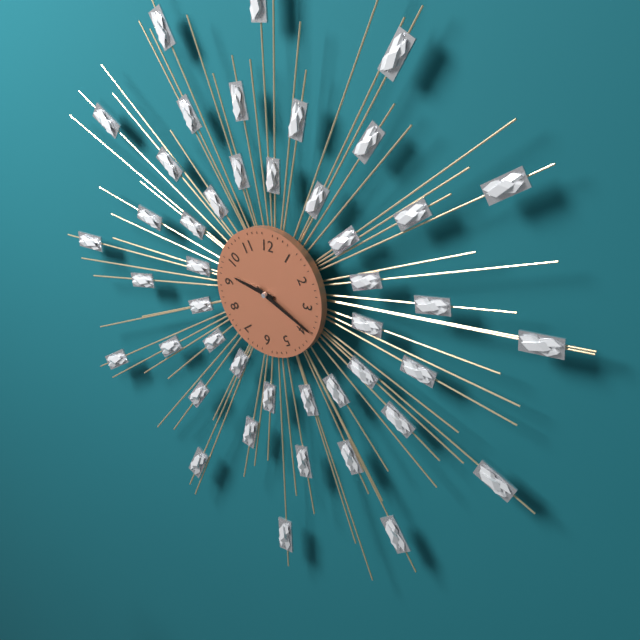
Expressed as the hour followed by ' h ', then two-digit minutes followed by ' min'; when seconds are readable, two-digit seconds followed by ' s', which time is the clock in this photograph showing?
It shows 9 h 19 min
